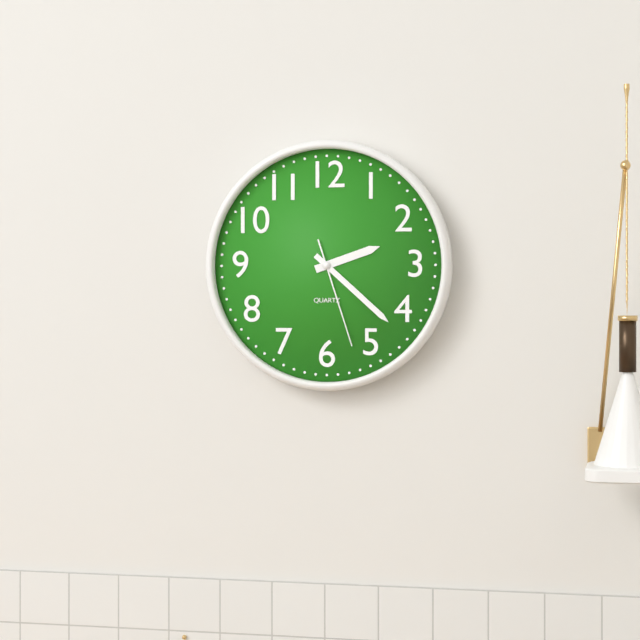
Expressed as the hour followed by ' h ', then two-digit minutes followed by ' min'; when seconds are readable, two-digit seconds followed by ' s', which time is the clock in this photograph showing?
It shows 2 h 22 min 27 s
